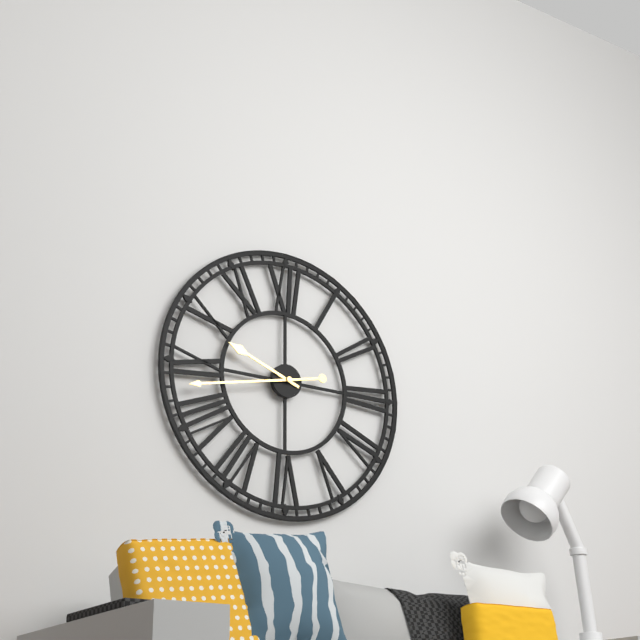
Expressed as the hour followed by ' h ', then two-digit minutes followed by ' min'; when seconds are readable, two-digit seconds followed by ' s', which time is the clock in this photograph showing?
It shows 9 h 43 min
